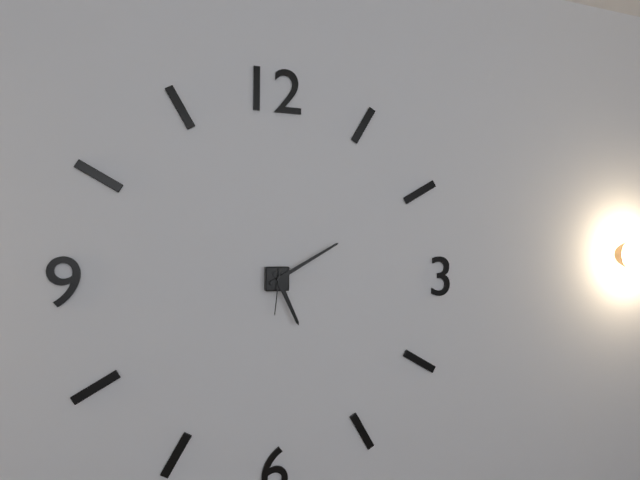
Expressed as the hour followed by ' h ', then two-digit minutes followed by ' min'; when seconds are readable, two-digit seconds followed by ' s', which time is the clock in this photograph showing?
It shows 5 h 10 min
